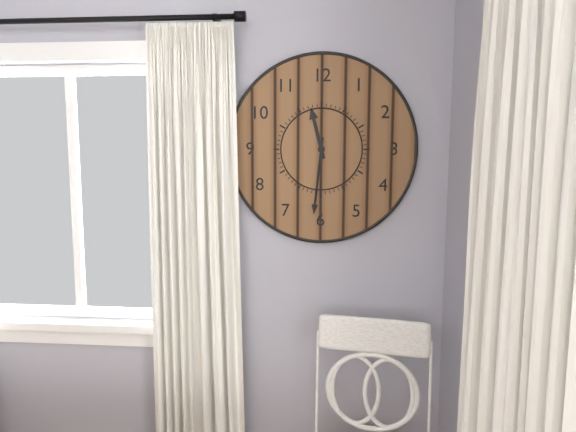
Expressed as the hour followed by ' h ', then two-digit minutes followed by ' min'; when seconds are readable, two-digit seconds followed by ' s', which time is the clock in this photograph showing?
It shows 11 h 31 min
